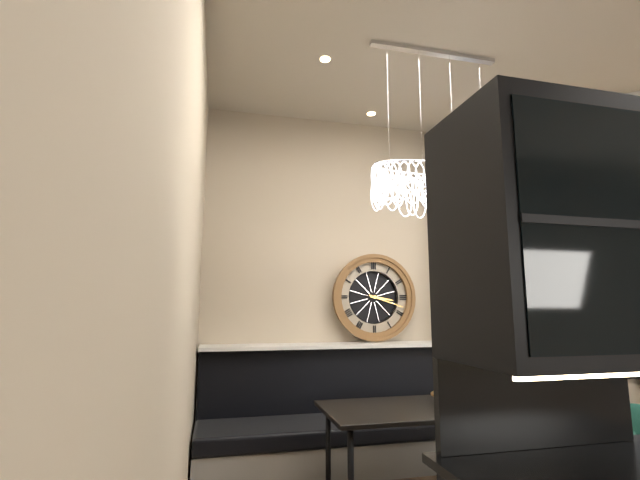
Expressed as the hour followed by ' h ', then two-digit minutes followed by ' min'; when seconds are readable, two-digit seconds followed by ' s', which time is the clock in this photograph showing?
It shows 3 h 18 min
